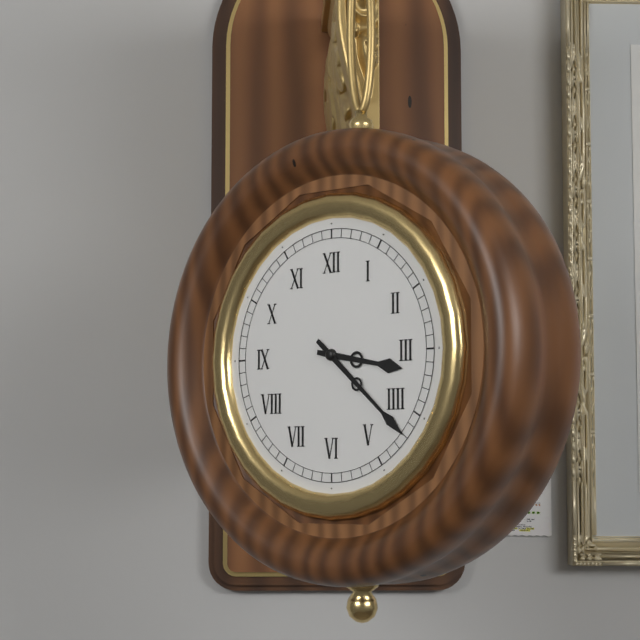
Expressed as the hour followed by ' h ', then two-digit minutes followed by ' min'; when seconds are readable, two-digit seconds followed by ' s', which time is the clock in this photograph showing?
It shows 3 h 22 min
